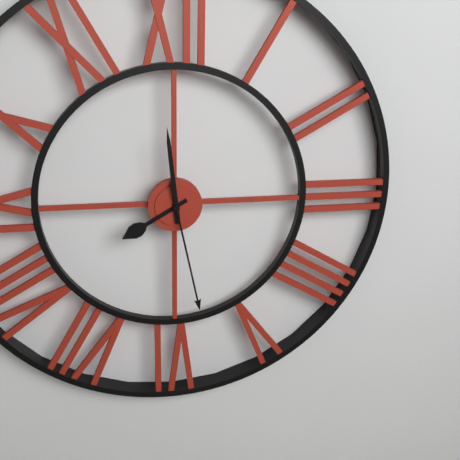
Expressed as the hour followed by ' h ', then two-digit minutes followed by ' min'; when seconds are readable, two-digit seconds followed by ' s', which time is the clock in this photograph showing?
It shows 7 h 59 min 28 s
